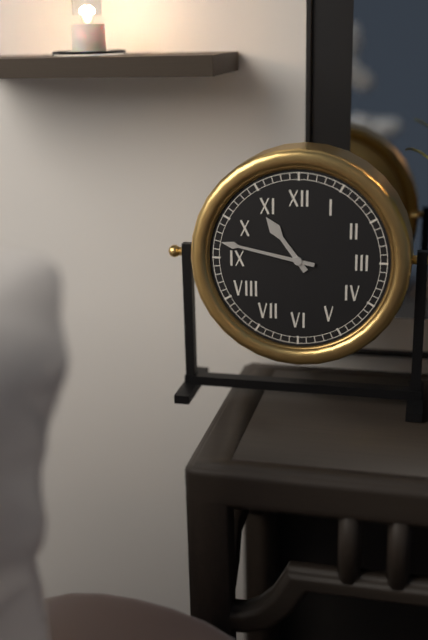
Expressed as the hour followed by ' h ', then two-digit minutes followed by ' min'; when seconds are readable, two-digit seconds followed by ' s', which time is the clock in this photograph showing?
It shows 10 h 47 min
